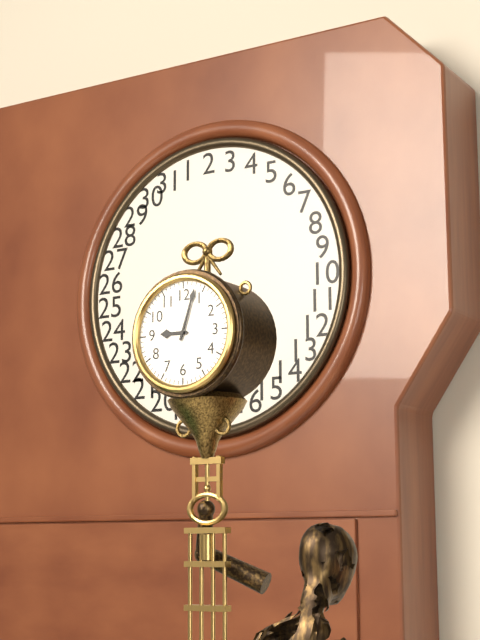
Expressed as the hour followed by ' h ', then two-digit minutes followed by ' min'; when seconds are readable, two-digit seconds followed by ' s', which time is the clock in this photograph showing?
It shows 9 h 03 min
